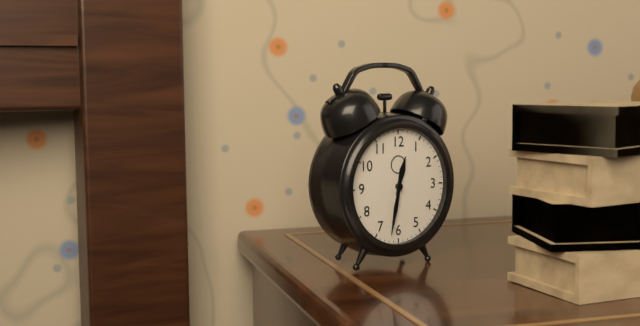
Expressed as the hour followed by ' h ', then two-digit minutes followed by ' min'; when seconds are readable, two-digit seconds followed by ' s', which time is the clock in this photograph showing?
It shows 12 h 32 min
